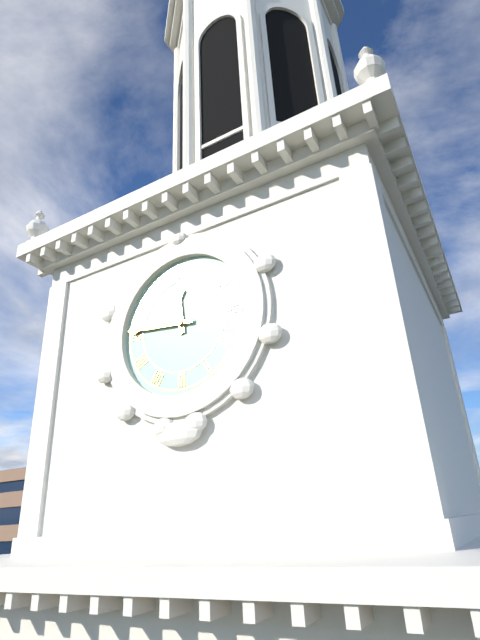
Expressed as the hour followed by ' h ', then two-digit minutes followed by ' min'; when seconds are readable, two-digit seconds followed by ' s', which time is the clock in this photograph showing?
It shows 11 h 46 min
